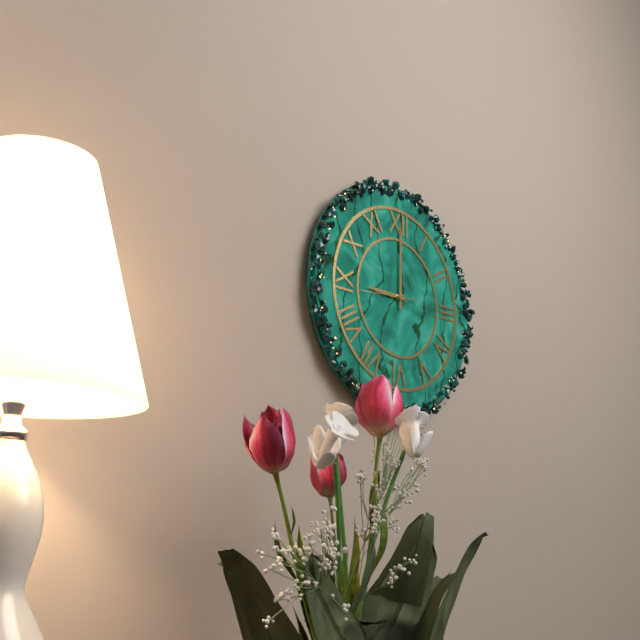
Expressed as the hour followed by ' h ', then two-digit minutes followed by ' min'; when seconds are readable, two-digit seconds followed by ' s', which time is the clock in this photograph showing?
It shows 9 h 00 min
